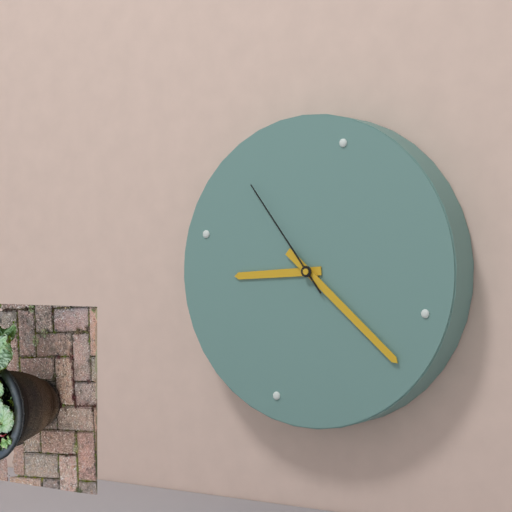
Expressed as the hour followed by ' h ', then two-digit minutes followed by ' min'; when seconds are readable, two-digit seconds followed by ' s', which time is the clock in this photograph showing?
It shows 8 h 19 min 51 s
